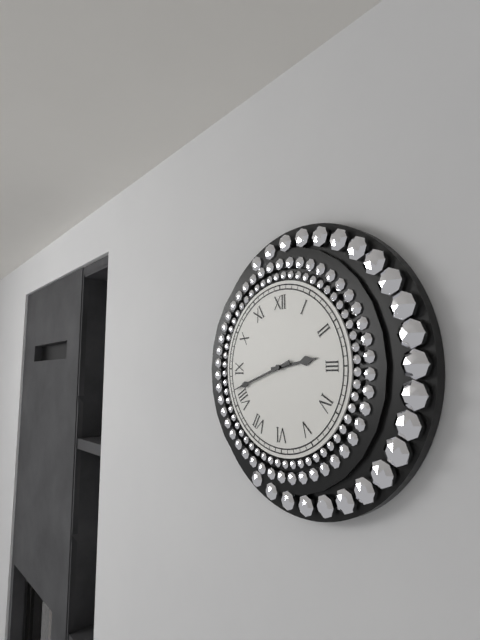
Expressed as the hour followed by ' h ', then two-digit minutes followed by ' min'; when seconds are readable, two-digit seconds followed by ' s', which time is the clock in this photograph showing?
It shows 2 h 42 min
